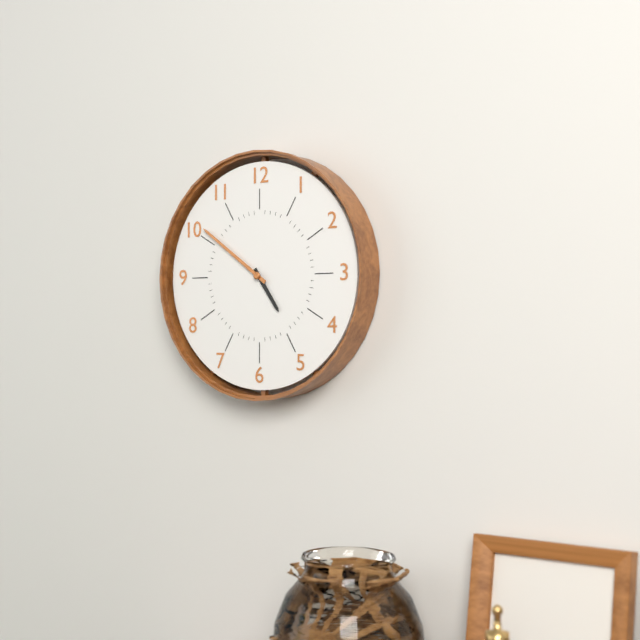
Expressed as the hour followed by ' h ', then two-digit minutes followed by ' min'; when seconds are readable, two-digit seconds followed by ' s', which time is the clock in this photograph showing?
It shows 4 h 51 min
